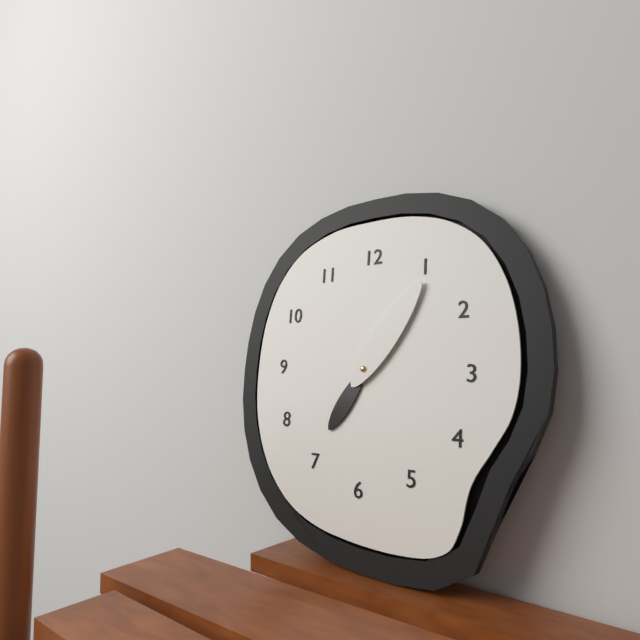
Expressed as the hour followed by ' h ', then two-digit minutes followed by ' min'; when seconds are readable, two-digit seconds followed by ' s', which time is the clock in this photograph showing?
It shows 7 h 06 min
